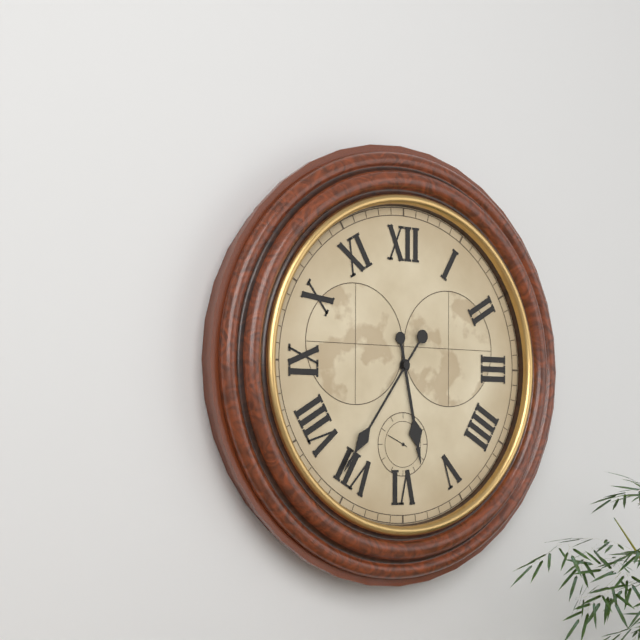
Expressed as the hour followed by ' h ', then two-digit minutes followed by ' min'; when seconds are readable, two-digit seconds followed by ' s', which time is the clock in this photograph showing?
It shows 5 h 36 min
